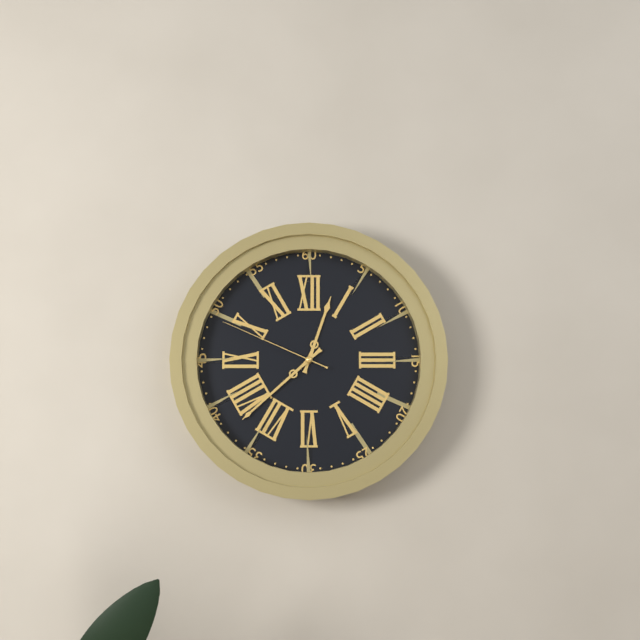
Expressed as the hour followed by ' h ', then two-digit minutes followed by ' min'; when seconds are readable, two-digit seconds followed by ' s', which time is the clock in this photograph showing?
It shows 12 h 38 min 49 s
